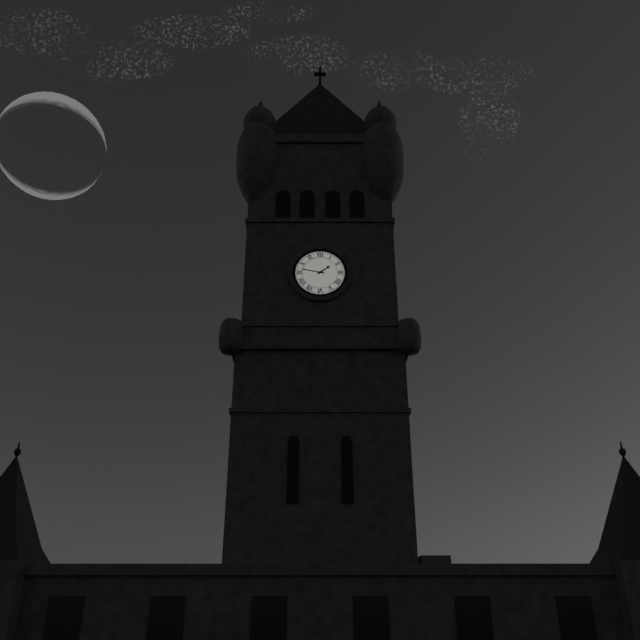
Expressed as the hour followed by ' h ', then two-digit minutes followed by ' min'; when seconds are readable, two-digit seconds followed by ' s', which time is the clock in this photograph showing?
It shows 1 h 47 min
